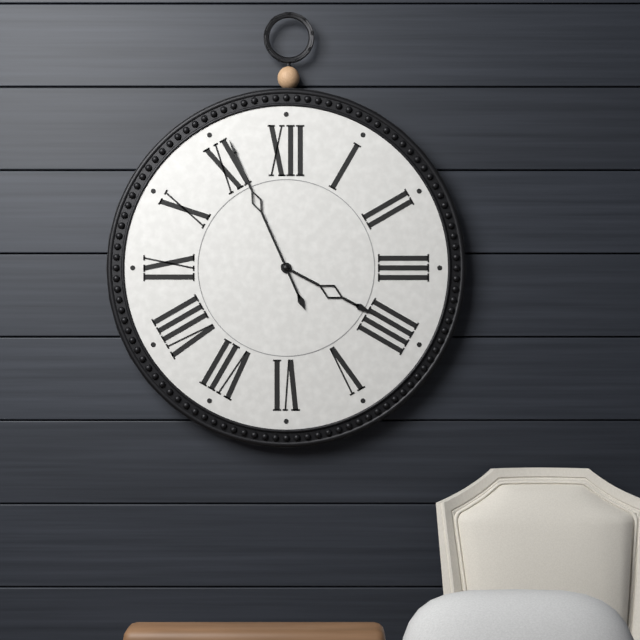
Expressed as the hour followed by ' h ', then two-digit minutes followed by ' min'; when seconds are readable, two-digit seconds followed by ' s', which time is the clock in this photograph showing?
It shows 3 h 56 min
